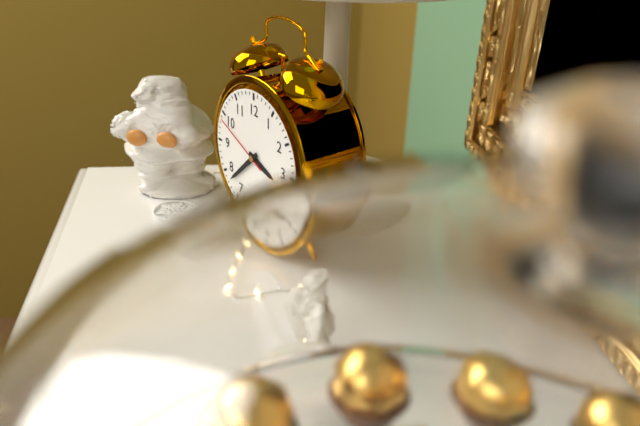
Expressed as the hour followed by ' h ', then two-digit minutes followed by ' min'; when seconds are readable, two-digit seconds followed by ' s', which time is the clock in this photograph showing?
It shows 3 h 38 min 49 s
